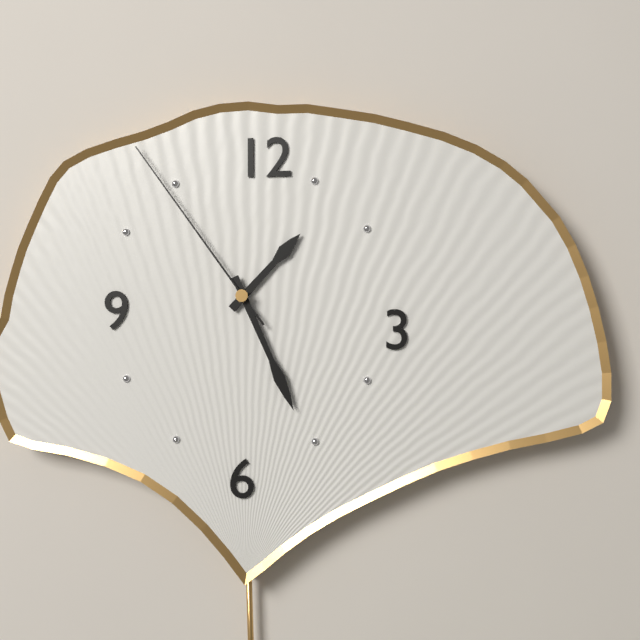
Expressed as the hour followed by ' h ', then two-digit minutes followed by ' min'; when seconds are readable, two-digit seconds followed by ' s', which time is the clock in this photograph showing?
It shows 1 h 26 min 54 s
